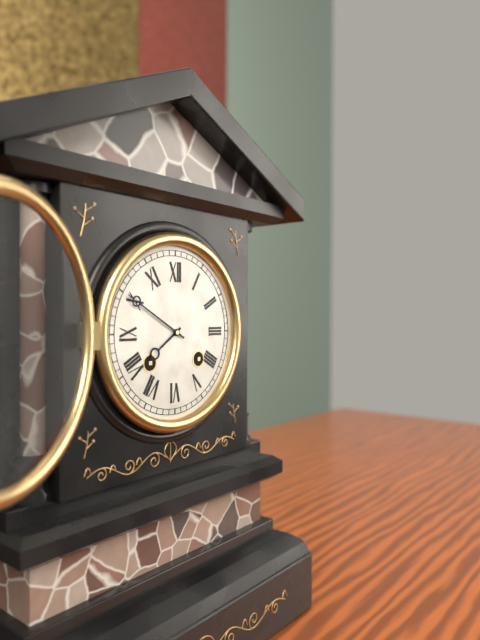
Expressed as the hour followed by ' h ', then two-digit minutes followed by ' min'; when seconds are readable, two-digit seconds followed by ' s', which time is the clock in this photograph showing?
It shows 7 h 50 min
